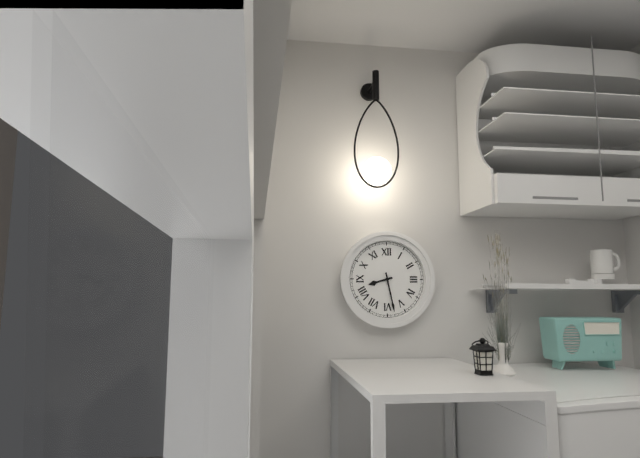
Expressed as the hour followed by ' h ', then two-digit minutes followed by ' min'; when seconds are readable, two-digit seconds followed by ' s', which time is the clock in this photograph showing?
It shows 8 h 28 min
